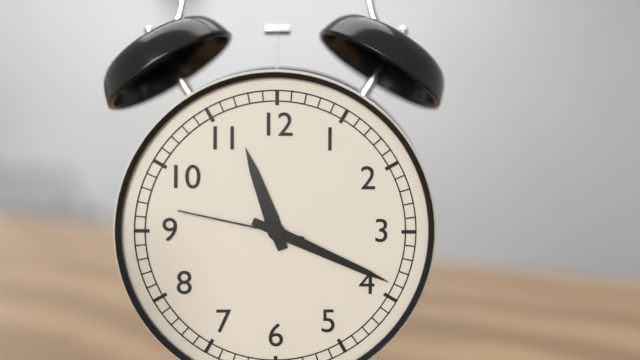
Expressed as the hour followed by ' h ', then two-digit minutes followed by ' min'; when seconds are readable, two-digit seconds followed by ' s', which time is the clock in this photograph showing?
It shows 11 h 19 min 47 s
